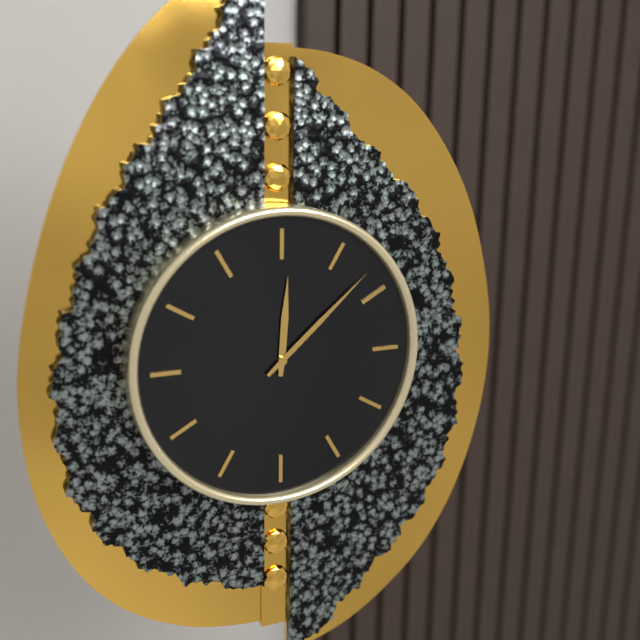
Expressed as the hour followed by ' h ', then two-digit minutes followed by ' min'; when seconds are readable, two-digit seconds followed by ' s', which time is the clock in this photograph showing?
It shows 12 h 08 min
